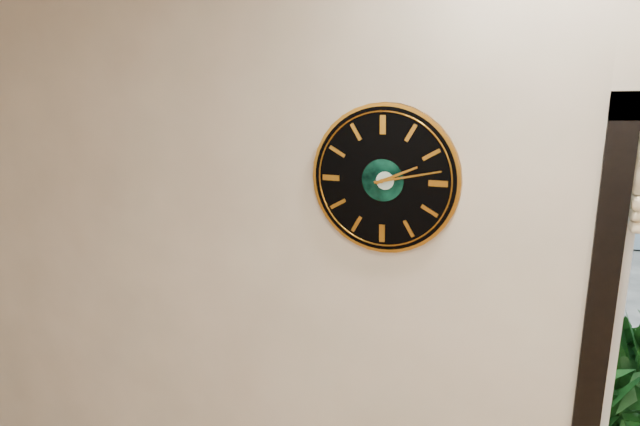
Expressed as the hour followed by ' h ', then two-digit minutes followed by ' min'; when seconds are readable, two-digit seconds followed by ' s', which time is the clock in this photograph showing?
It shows 2 h 13 min
